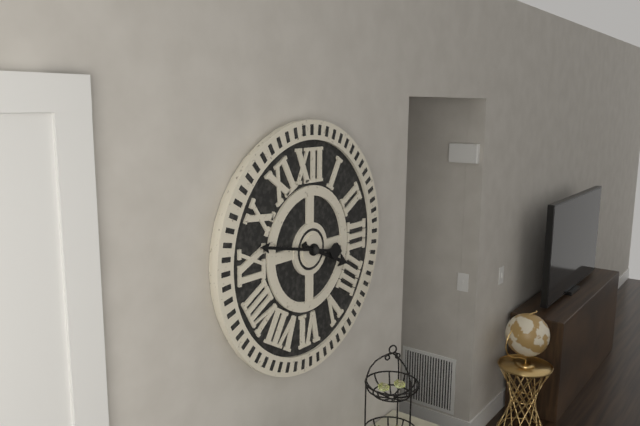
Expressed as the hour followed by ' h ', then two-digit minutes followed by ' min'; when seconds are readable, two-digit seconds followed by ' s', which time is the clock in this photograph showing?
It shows 3 h 47 min
